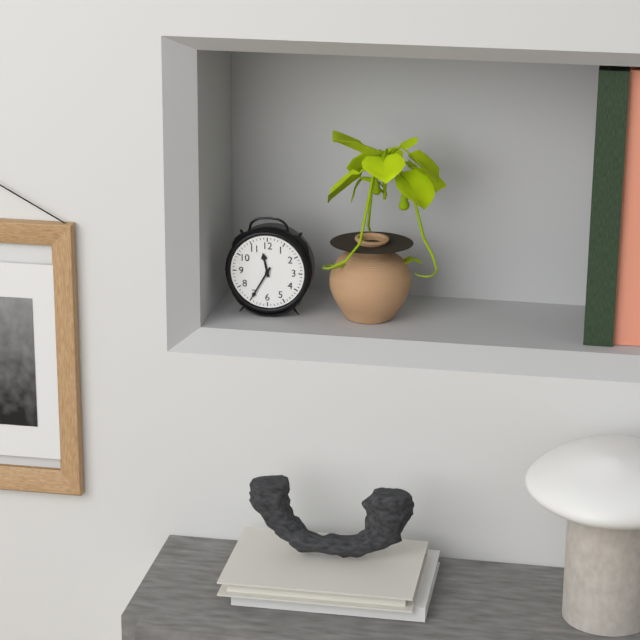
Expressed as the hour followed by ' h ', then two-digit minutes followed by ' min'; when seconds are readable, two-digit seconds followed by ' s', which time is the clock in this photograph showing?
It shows 11 h 35 min
